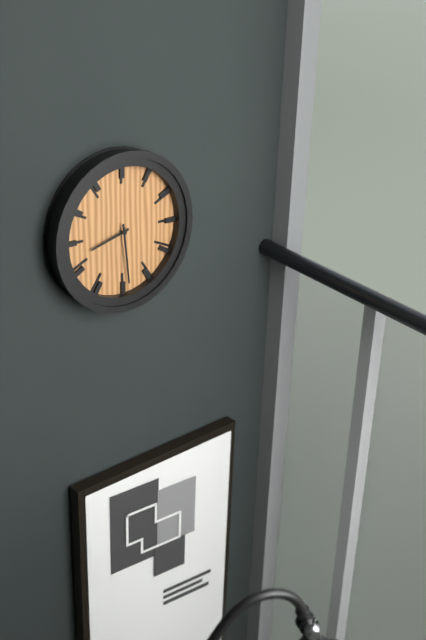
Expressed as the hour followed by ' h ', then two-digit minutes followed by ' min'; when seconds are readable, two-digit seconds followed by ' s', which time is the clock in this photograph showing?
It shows 8 h 29 min
